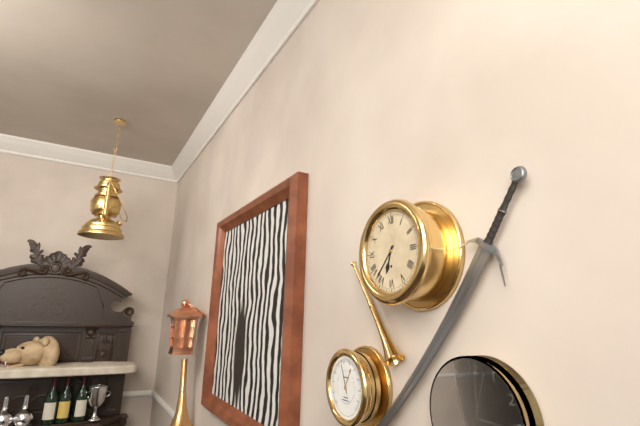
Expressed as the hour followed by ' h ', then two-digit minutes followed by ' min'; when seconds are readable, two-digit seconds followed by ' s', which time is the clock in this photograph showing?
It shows 6 h 37 min
